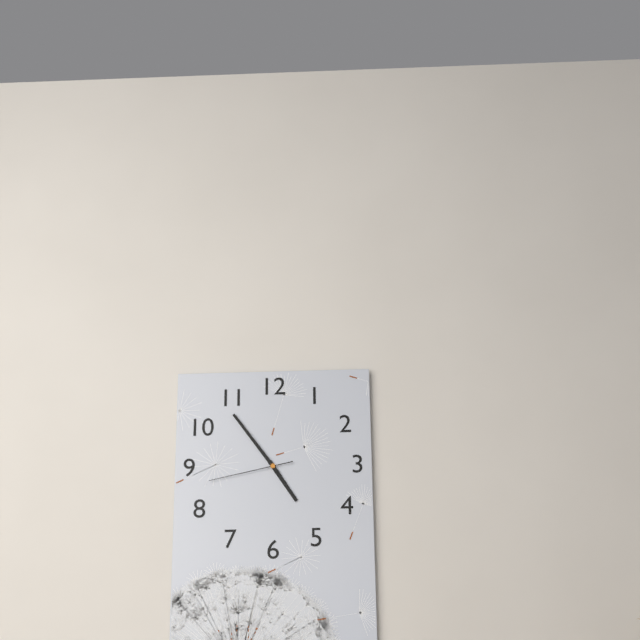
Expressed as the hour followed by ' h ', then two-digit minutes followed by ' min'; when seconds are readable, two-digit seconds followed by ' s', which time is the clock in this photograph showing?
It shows 4 h 54 min 43 s
